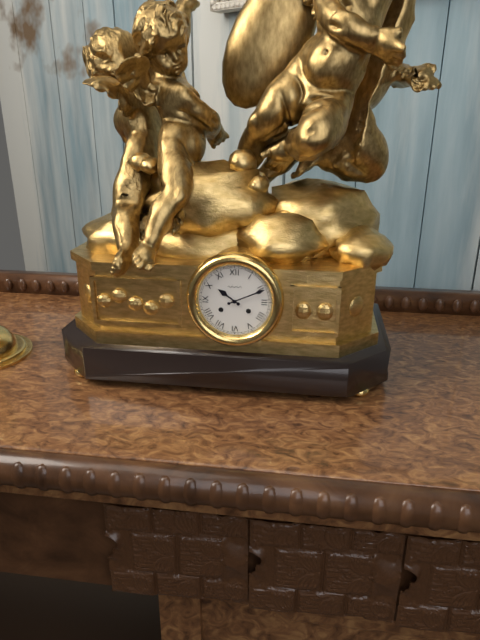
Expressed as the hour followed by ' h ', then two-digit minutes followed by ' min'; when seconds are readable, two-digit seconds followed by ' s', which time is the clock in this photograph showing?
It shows 10 h 11 min
